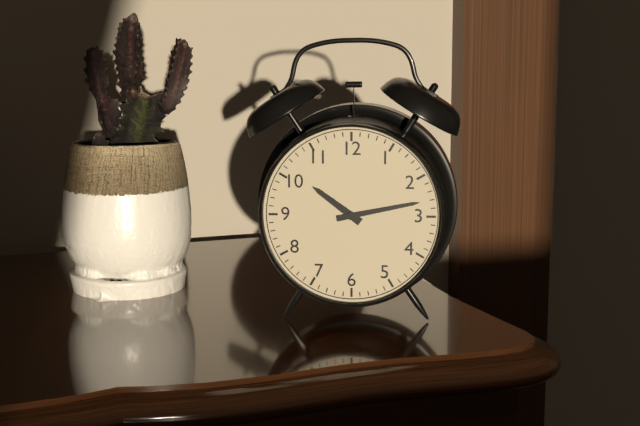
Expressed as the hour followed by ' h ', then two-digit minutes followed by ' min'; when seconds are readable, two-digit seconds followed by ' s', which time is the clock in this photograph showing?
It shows 10 h 13 min
